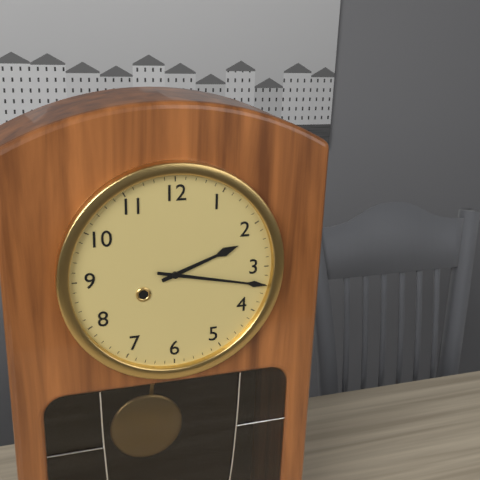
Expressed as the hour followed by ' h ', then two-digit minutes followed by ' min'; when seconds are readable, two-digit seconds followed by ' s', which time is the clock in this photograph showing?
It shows 2 h 17 min
